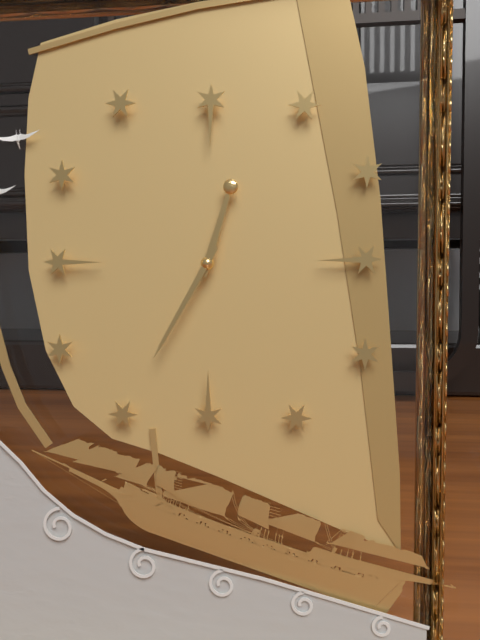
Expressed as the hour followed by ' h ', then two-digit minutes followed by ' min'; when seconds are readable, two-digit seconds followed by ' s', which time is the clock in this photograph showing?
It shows 12 h 35 min
